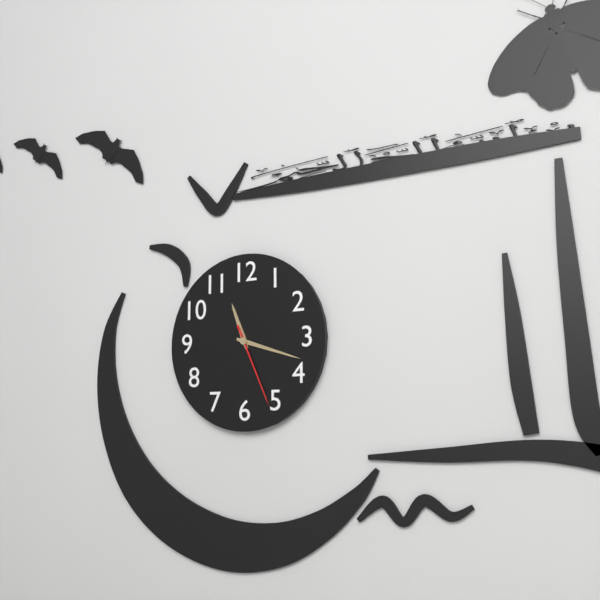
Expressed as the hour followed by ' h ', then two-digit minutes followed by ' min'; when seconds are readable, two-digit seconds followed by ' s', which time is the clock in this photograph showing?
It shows 11 h 18 min 26 s
